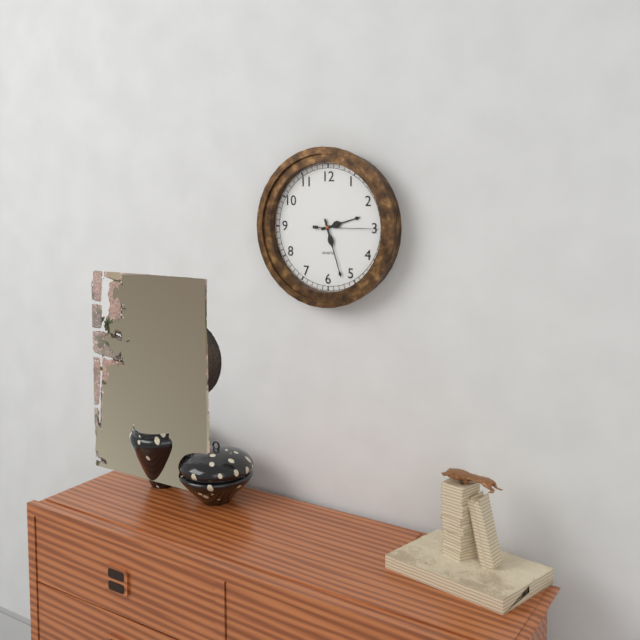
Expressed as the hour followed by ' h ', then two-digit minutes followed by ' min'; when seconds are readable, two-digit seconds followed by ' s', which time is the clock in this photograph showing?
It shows 2 h 27 min 15 s
